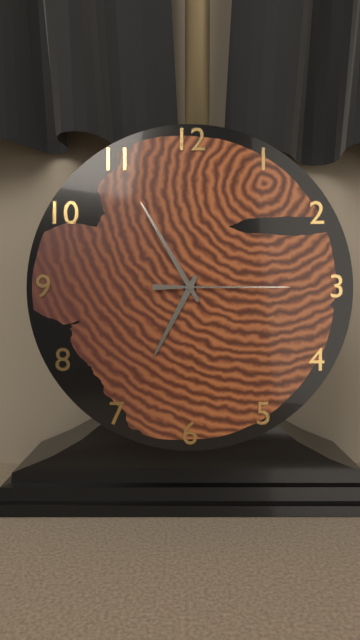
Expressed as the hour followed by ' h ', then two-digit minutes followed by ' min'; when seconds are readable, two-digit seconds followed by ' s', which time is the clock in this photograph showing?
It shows 6 h 55 min 15 s
